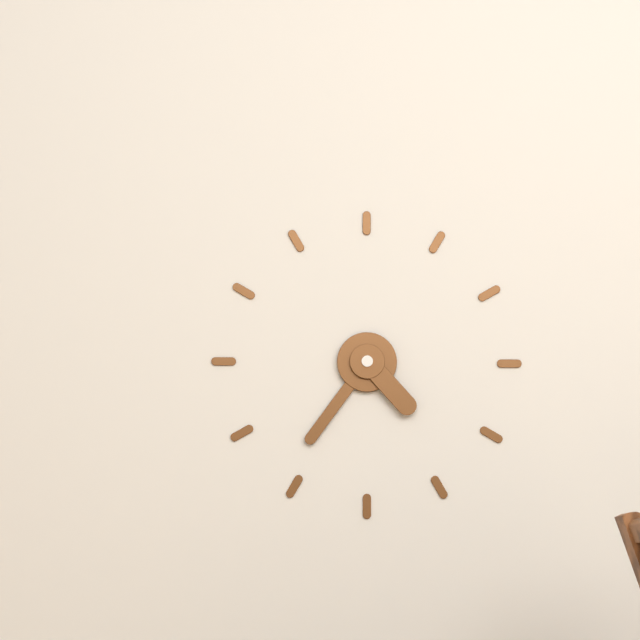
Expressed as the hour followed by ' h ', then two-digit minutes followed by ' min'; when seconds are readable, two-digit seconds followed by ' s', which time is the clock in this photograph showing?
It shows 4 h 36 min
